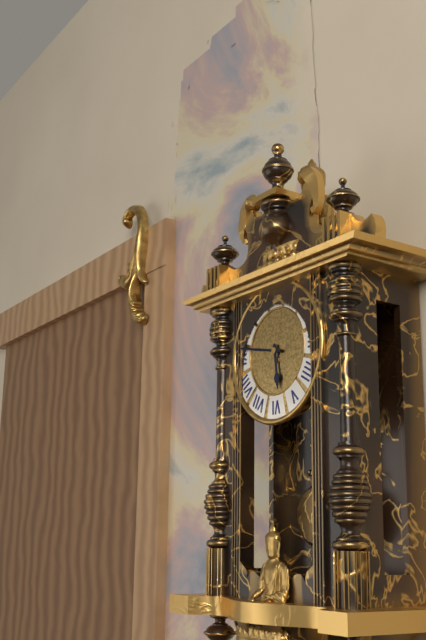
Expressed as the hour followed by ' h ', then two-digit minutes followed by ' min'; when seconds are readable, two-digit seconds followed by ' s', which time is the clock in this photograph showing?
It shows 5 h 47 min
